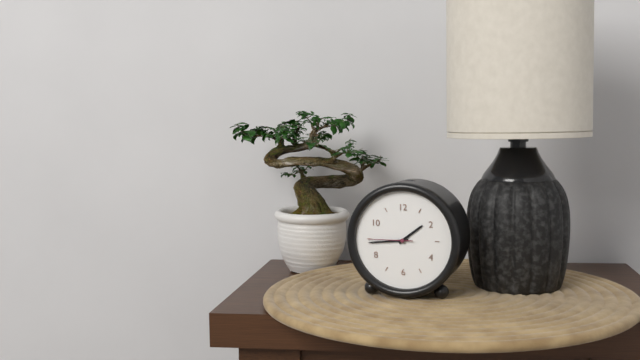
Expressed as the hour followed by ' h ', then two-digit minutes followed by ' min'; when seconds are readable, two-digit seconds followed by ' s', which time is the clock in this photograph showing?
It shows 1 h 44 min
